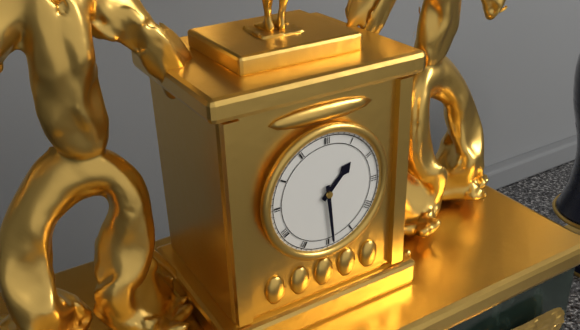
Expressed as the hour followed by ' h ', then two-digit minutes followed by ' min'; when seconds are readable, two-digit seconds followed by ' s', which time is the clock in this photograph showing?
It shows 1 h 29 min
